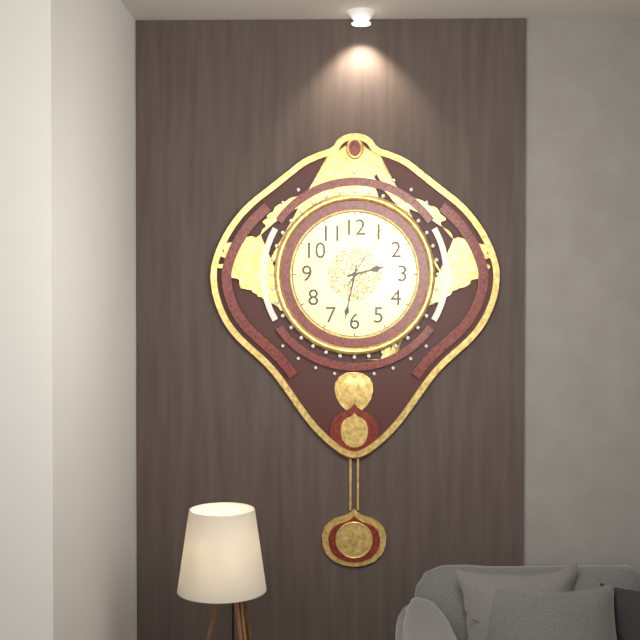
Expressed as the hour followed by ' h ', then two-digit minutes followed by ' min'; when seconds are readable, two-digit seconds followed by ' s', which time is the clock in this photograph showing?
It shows 2 h 32 min 05 s
